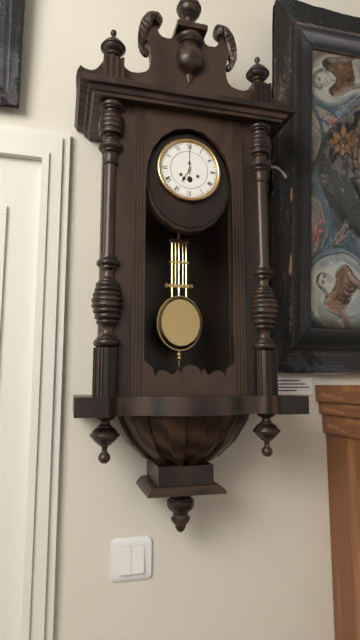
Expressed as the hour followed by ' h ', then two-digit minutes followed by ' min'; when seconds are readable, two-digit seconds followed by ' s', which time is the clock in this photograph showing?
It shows 7 h 00 min
